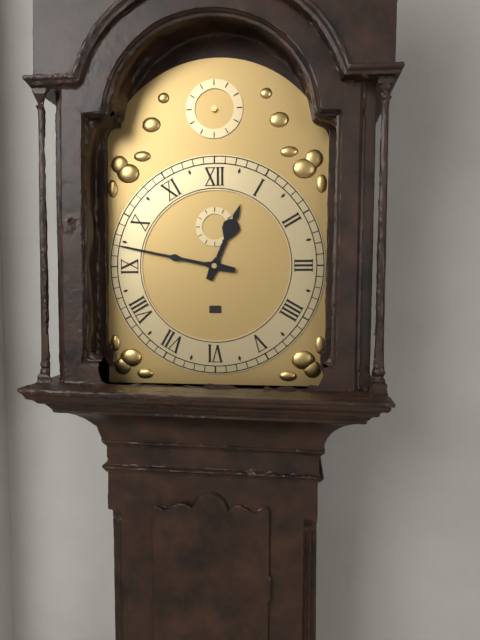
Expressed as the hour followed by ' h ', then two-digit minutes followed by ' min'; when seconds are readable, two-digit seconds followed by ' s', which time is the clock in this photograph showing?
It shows 12 h 47 min
